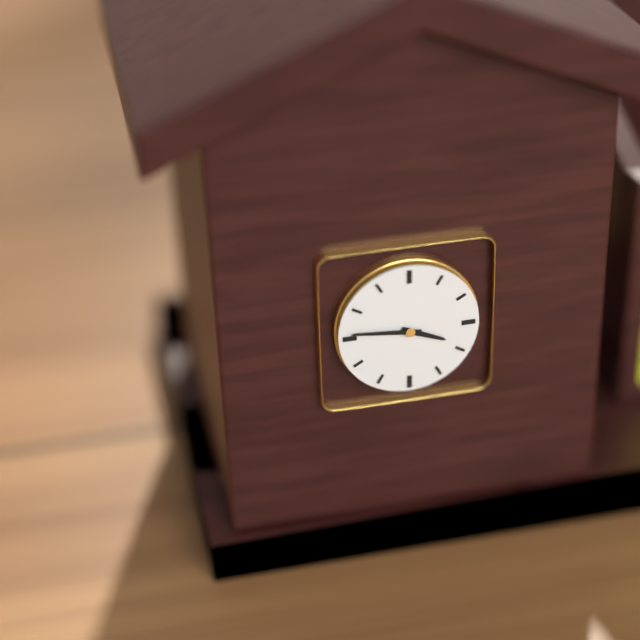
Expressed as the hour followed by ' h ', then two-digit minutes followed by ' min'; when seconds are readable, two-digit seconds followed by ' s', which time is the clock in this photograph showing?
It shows 3 h 46 min
